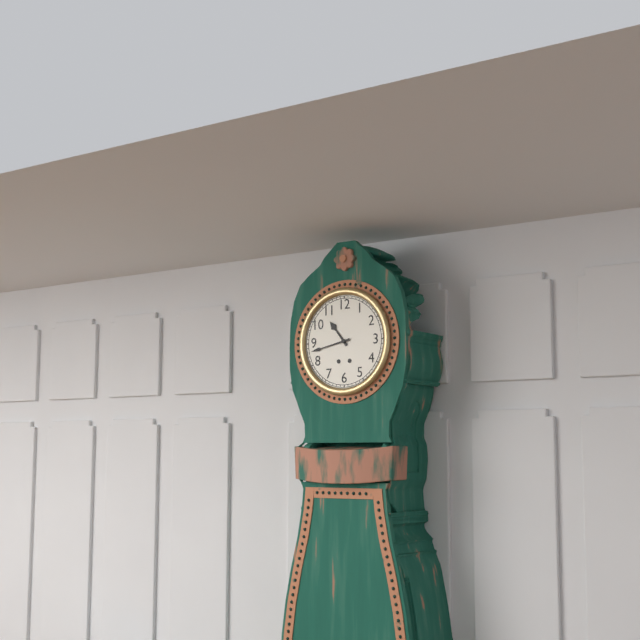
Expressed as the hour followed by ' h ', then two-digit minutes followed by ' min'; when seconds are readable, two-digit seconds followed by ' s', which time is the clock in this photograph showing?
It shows 10 h 43 min
